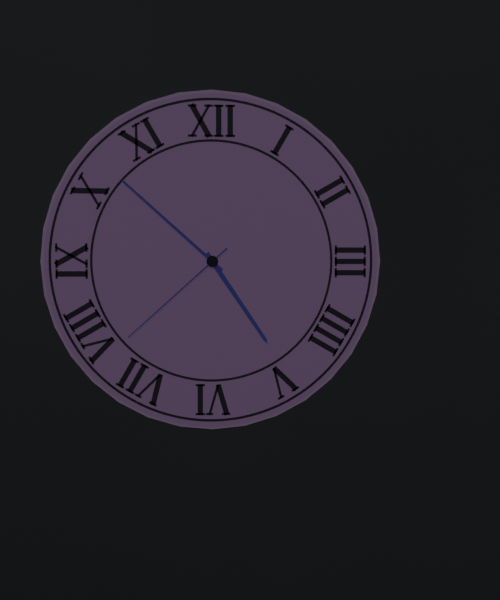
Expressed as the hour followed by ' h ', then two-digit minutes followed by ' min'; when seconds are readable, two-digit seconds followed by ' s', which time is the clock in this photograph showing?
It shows 4 h 52 min 38 s
